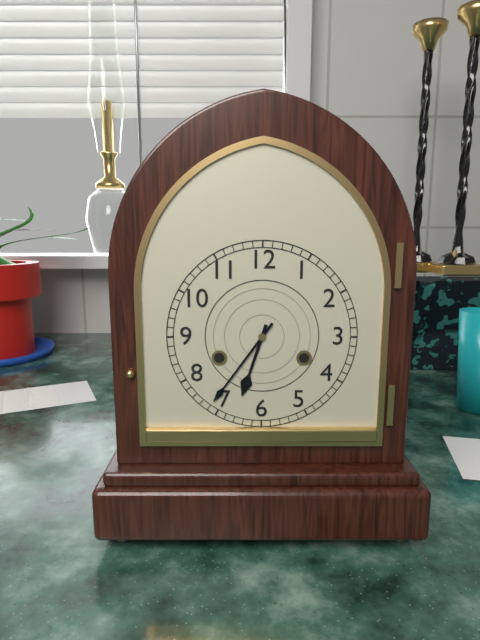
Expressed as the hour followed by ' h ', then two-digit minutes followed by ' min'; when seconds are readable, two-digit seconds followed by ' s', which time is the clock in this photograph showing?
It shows 6 h 36 min
